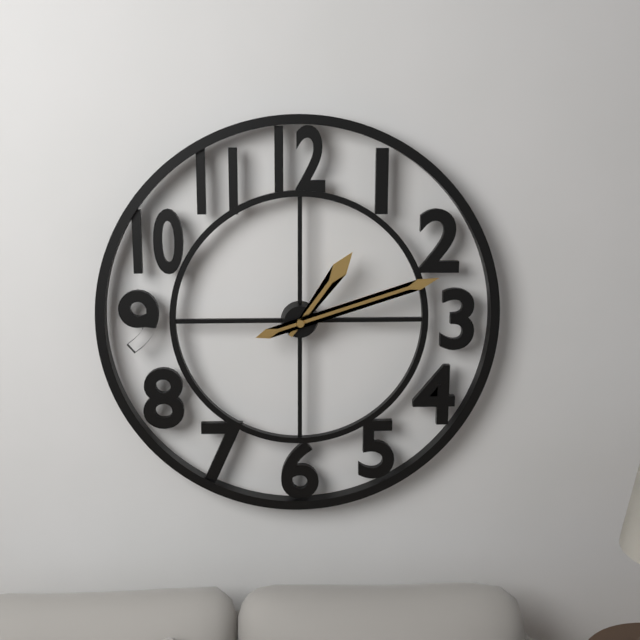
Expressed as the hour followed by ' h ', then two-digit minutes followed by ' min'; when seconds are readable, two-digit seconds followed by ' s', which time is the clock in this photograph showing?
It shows 1 h 12 min
